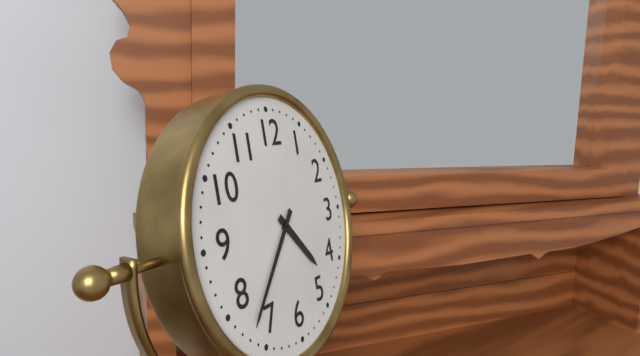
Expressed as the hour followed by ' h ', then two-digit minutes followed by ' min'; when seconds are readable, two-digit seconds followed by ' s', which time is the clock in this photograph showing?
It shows 4 h 37 min
